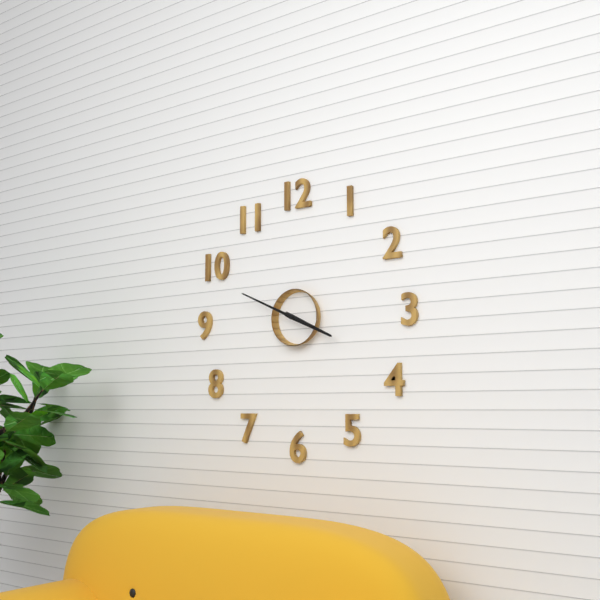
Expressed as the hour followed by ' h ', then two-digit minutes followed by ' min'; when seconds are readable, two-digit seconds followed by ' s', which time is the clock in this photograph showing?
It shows 3 h 49 min
